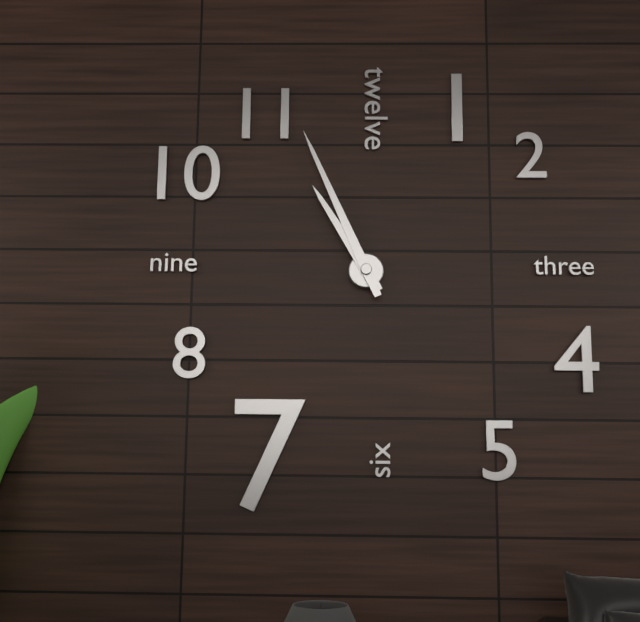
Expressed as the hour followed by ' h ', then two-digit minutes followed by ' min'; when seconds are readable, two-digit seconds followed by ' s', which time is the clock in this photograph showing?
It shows 10 h 56 min
